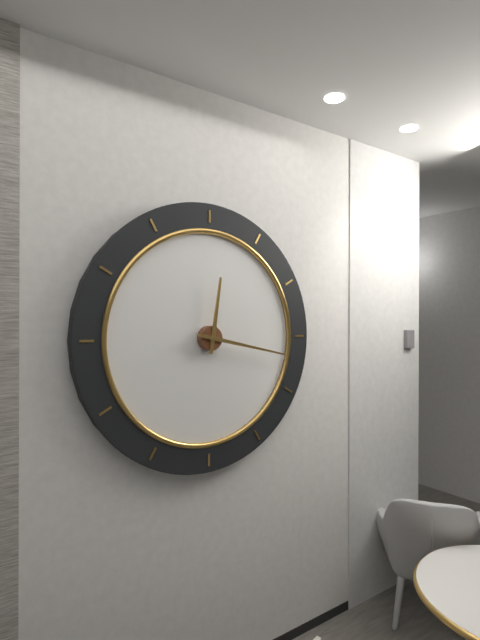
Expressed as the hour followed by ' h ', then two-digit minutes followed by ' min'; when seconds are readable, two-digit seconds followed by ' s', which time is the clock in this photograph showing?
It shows 12 h 17 min
